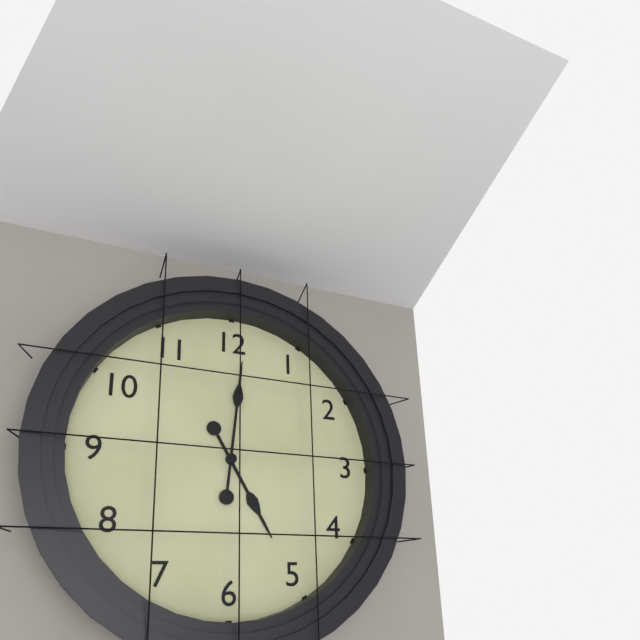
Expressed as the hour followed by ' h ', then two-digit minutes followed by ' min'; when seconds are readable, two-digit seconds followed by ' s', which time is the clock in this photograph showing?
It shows 5 h 01 min
